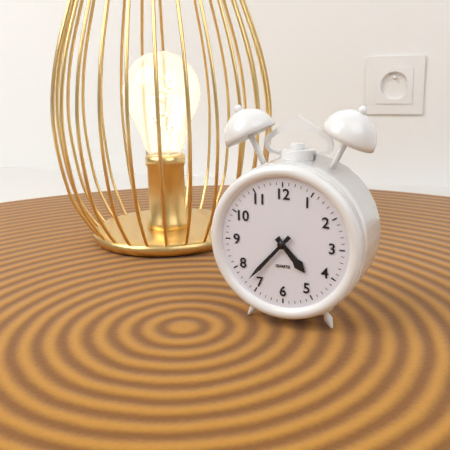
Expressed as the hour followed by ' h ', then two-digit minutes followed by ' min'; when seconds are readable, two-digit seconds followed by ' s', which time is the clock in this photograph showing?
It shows 4 h 37 min
